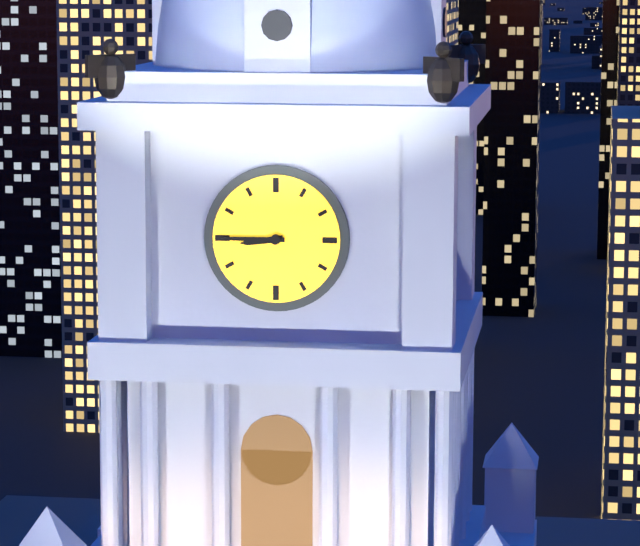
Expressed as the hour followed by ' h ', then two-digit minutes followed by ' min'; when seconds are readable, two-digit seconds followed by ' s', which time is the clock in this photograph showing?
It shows 8 h 45 min
